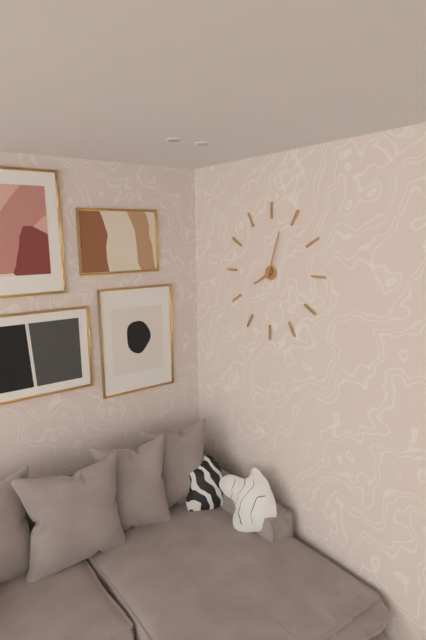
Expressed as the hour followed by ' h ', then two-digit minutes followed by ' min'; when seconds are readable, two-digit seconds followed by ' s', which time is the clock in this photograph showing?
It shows 8 h 03 min
